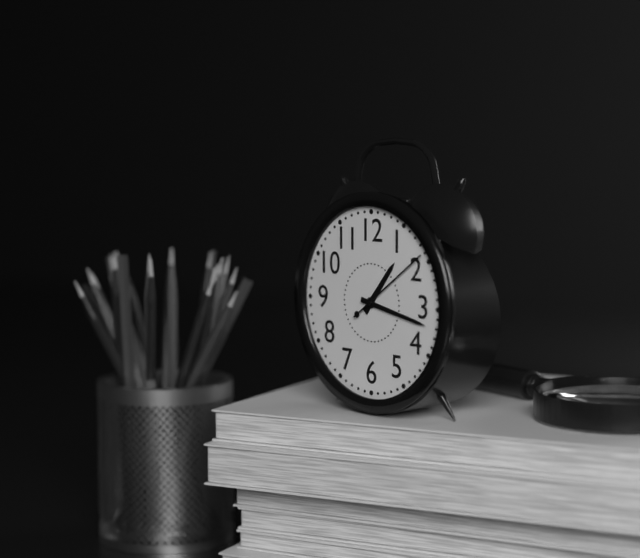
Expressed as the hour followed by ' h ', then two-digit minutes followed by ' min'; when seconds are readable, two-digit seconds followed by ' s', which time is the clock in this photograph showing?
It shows 1 h 17 min 09 s
